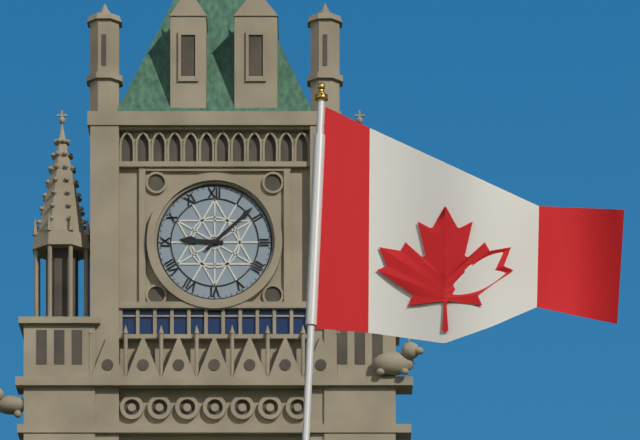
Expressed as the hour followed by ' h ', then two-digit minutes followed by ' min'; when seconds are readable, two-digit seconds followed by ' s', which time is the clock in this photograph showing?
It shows 9 h 08 min
